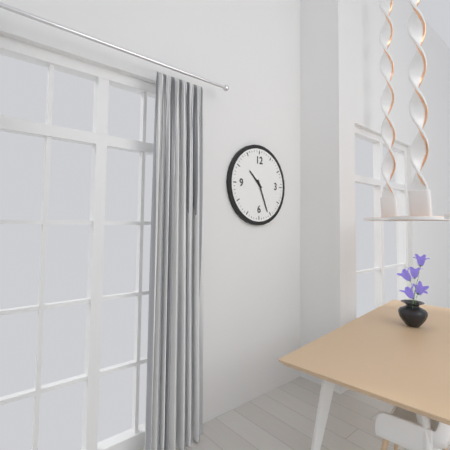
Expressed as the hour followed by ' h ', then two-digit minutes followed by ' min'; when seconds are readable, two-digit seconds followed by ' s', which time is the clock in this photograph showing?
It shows 10 h 26 min
